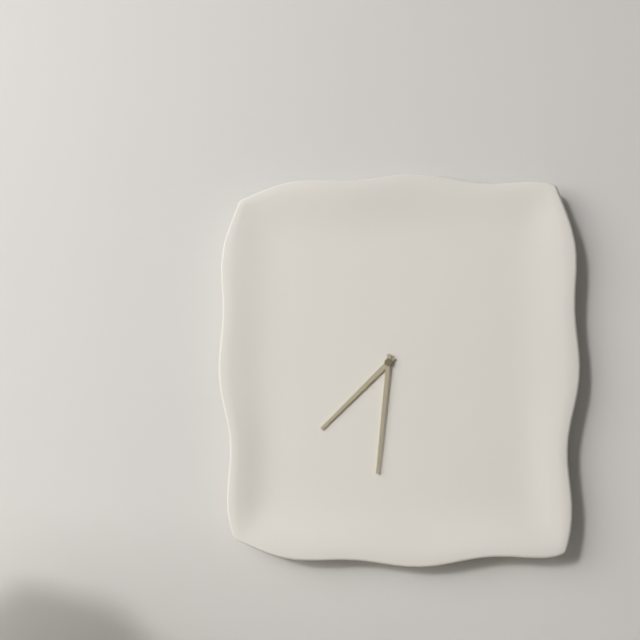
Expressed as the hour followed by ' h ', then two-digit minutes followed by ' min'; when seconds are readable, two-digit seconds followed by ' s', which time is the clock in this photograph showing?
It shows 7 h 31 min
